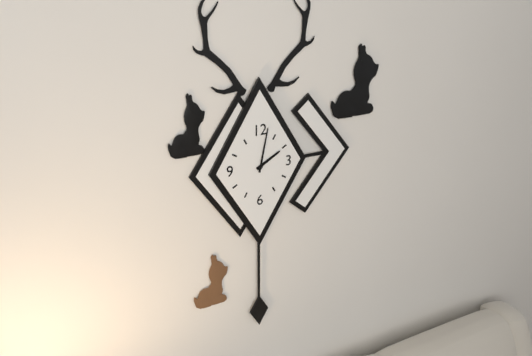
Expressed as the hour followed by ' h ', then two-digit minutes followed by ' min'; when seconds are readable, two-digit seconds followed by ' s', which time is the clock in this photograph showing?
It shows 2 h 02 min
